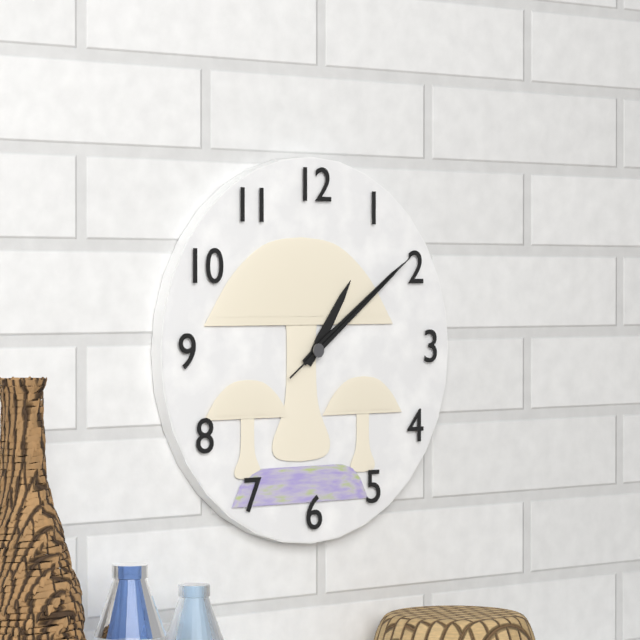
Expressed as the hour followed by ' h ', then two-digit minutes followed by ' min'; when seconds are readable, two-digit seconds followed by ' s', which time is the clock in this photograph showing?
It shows 1 h 09 min 09 s
